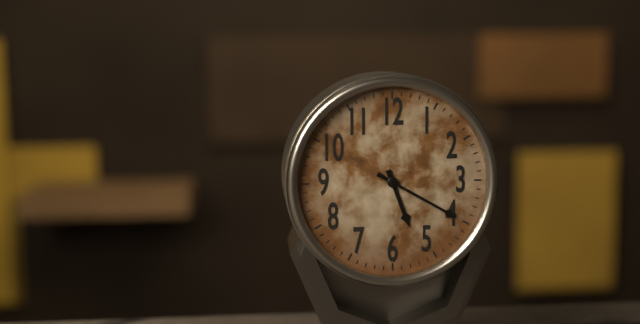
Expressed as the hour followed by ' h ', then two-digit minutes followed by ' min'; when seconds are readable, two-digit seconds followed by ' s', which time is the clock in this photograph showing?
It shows 5 h 20 min
